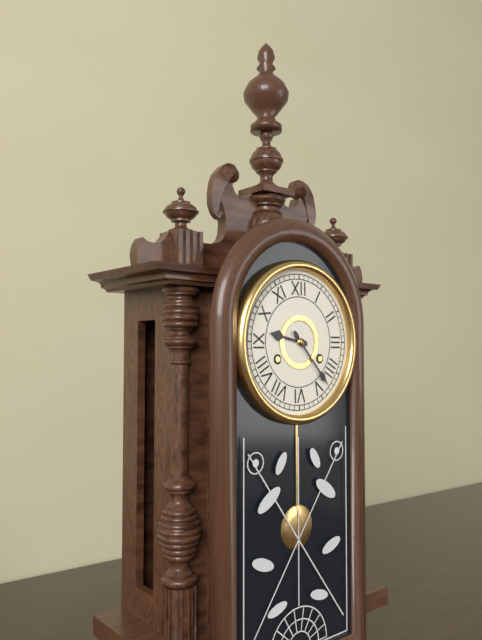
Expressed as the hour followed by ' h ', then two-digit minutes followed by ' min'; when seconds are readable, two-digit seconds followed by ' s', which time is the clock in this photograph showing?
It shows 9 h 23 min
